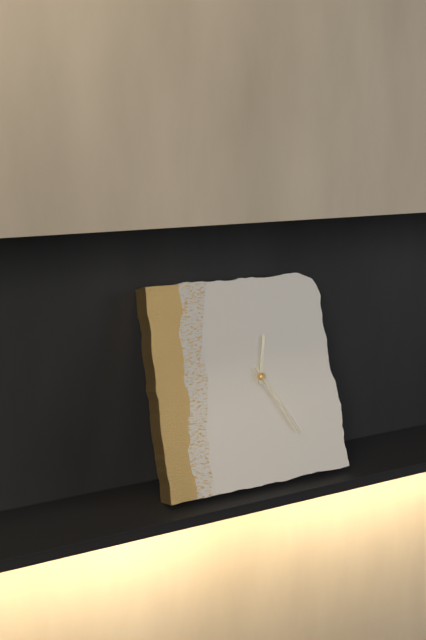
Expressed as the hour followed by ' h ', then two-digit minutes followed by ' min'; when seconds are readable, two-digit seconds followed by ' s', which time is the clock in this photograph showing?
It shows 12 h 25 min
